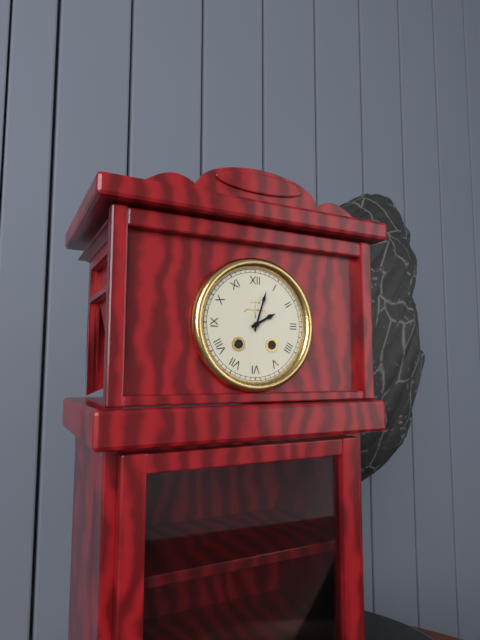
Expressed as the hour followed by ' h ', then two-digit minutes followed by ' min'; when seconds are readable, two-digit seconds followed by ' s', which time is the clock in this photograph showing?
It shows 2 h 03 min
